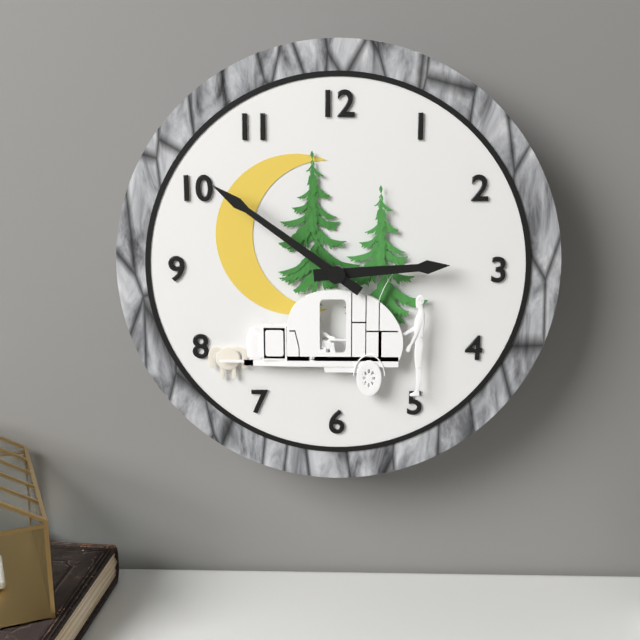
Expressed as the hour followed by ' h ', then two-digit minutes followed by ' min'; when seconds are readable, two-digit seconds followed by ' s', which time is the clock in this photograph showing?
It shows 2 h 51 min
